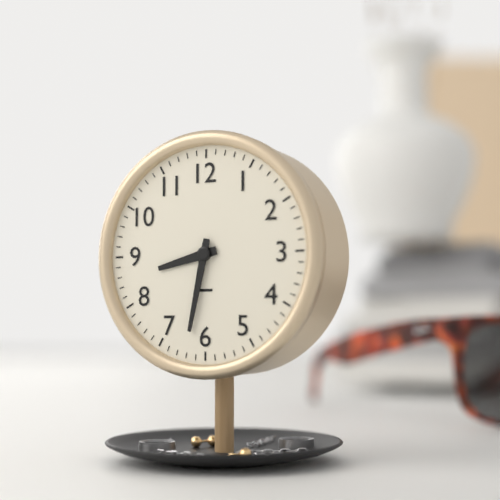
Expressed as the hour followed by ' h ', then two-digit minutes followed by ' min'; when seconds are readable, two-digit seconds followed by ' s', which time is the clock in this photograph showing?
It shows 8 h 32 min
